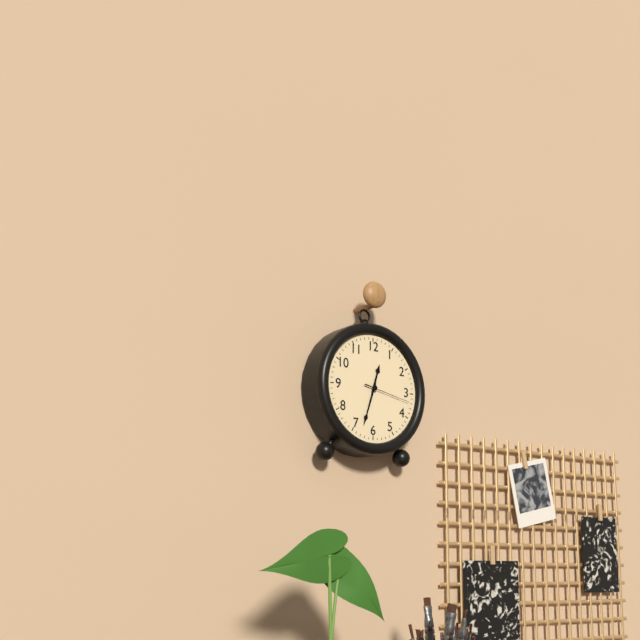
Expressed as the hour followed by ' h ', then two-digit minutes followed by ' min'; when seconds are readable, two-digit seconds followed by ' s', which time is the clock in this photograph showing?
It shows 12 h 33 min
